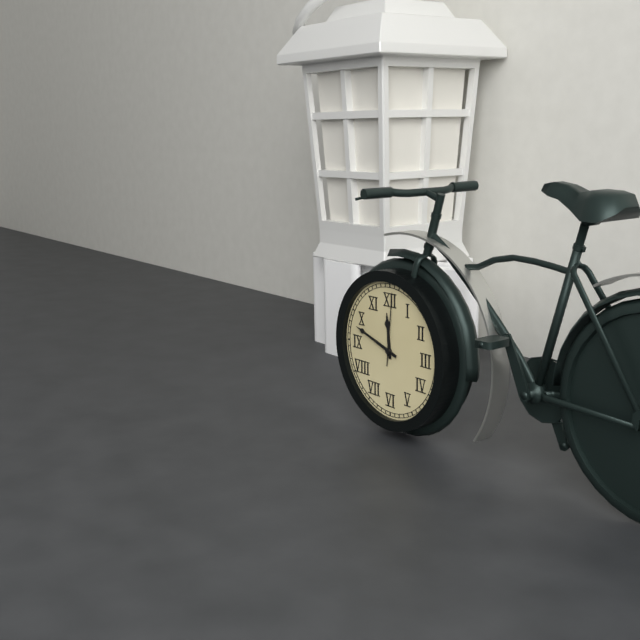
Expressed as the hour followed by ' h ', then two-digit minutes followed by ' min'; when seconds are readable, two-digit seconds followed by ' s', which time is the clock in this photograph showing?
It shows 11 h 48 min 01 s
